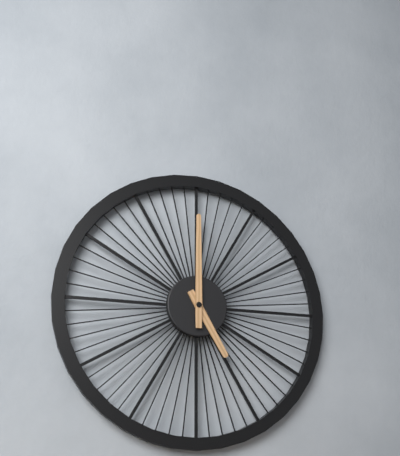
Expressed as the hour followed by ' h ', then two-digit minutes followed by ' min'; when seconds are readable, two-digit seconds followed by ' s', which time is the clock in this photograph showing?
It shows 5 h 00 min
